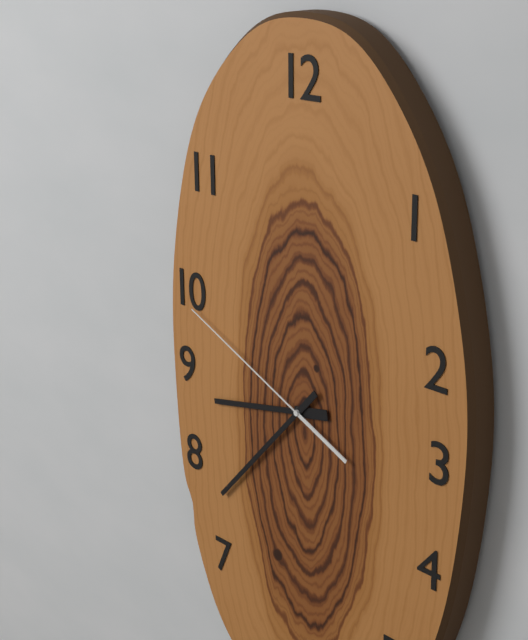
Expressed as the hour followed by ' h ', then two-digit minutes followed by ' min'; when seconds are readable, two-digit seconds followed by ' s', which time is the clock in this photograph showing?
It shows 8 h 37 min 49 s
